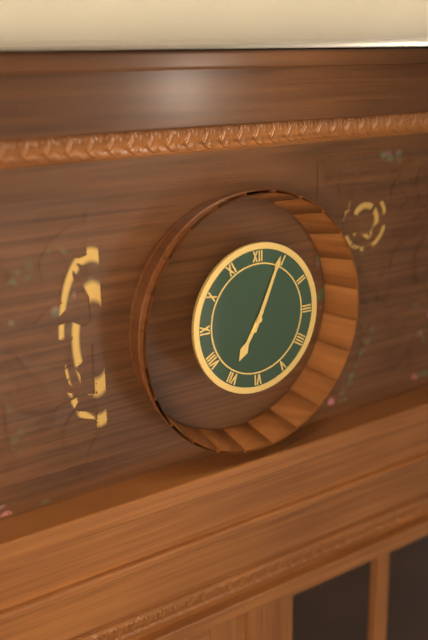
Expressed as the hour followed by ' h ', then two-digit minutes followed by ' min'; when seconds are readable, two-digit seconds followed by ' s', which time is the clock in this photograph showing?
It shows 7 h 04 min
